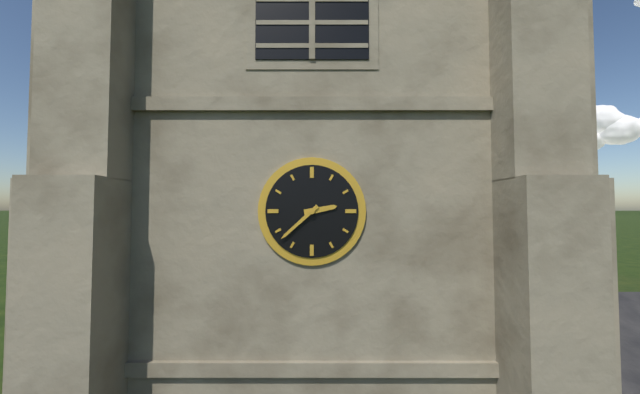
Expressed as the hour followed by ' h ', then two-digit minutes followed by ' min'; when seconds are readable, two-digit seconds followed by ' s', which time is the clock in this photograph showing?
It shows 2 h 38 min
